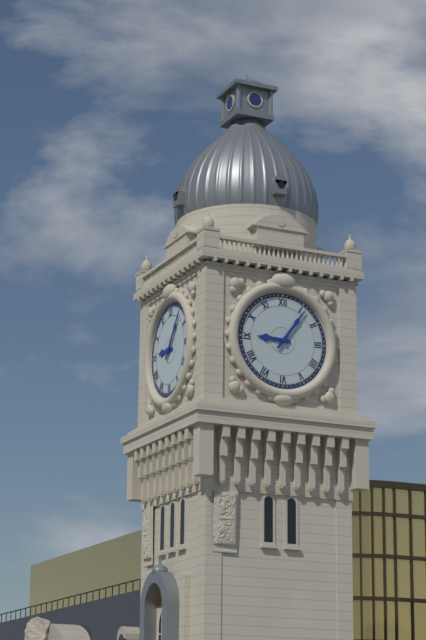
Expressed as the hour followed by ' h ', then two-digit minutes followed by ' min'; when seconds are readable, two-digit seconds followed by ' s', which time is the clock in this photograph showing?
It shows 9 h 06 min
